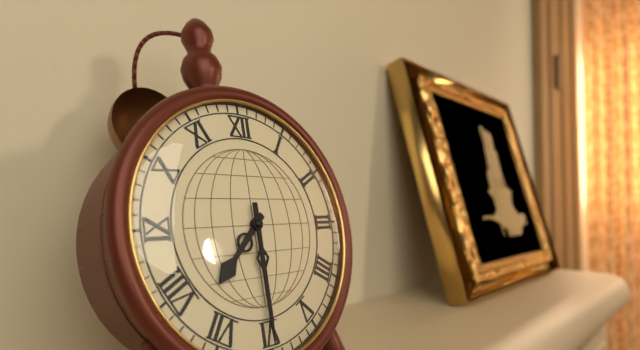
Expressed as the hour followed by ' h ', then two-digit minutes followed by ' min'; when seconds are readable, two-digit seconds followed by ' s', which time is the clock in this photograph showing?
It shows 7 h 30 min
